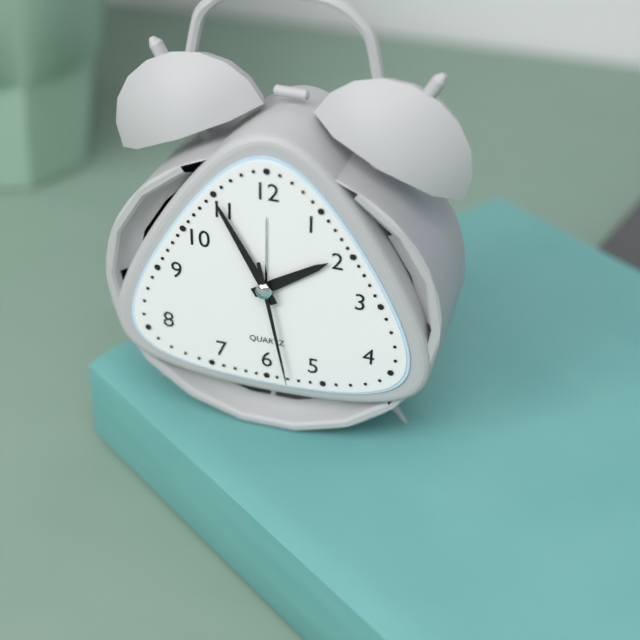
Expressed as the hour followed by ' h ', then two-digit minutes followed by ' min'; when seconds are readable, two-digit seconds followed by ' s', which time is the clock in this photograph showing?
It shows 1 h 55 min 28 s
